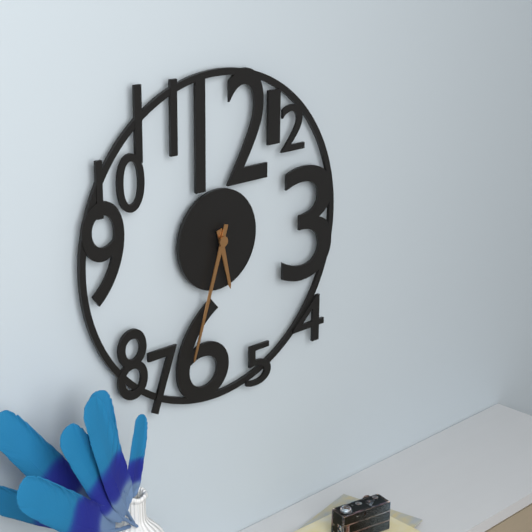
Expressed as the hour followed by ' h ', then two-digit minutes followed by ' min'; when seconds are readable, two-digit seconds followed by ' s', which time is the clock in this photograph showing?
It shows 5 h 33 min
